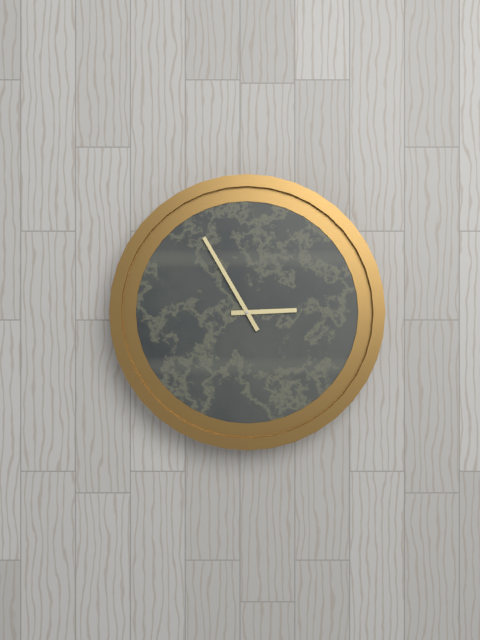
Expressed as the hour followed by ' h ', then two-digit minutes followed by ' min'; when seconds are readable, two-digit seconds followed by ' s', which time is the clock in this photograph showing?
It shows 2 h 55 min
